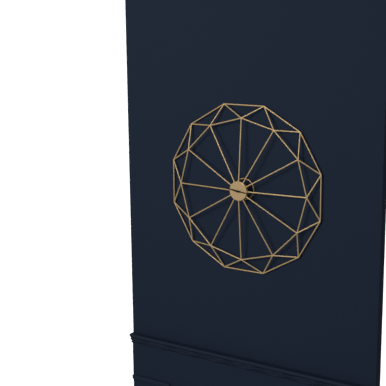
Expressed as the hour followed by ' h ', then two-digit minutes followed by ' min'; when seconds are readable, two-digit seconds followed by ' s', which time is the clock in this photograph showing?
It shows 9 h 16 min
